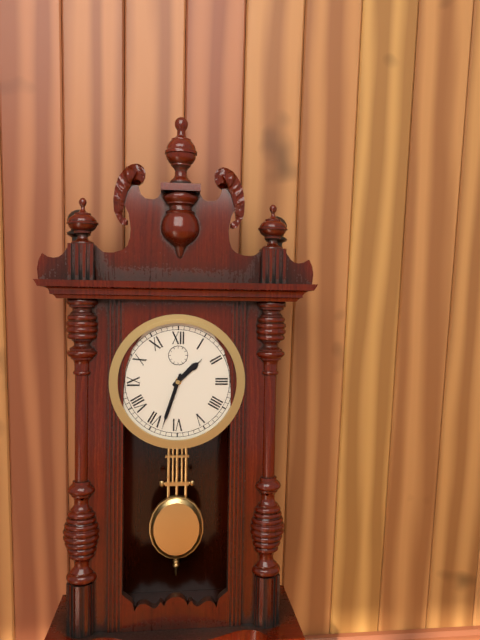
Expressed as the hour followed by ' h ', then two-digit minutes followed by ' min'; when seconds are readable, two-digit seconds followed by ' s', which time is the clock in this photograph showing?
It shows 1 h 33 min
